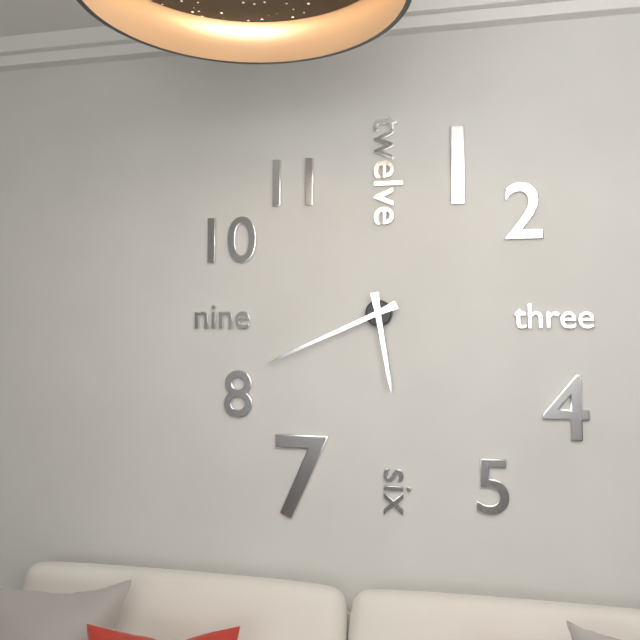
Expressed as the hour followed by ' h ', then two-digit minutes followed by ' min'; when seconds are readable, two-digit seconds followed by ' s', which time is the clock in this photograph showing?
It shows 5 h 41 min
